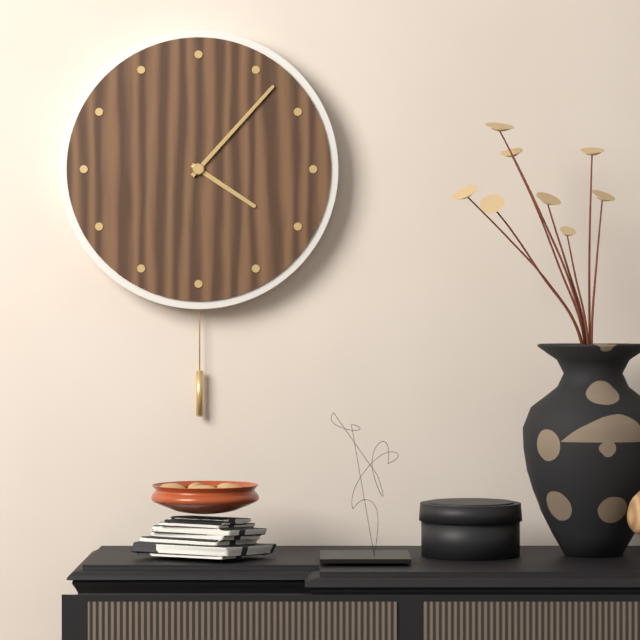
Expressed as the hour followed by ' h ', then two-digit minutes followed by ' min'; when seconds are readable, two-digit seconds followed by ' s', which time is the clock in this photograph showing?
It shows 4 h 07 min
